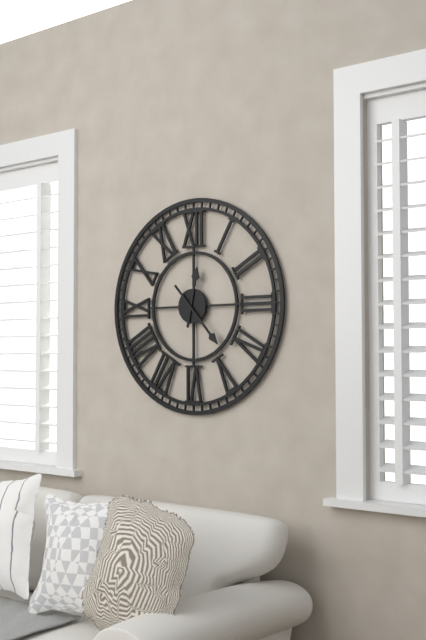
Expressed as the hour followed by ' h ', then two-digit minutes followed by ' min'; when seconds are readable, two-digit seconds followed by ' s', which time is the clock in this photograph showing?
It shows 12 h 23 min
